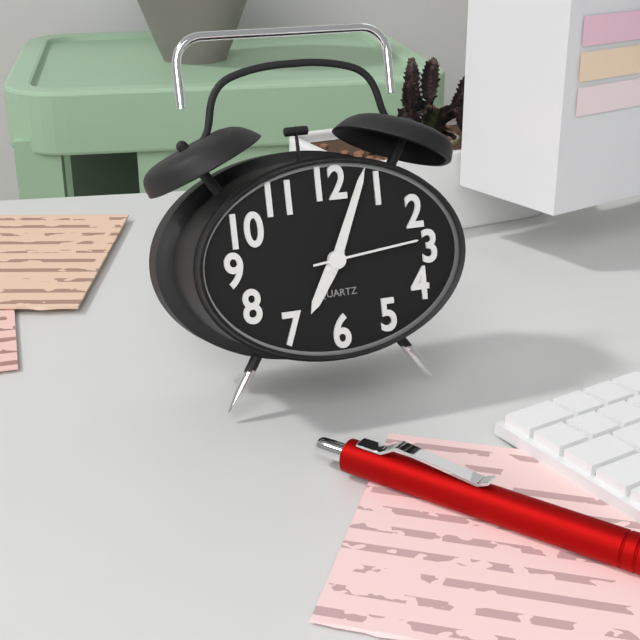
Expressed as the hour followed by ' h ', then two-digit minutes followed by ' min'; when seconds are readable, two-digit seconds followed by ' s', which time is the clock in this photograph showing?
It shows 7 h 04 min 14 s
